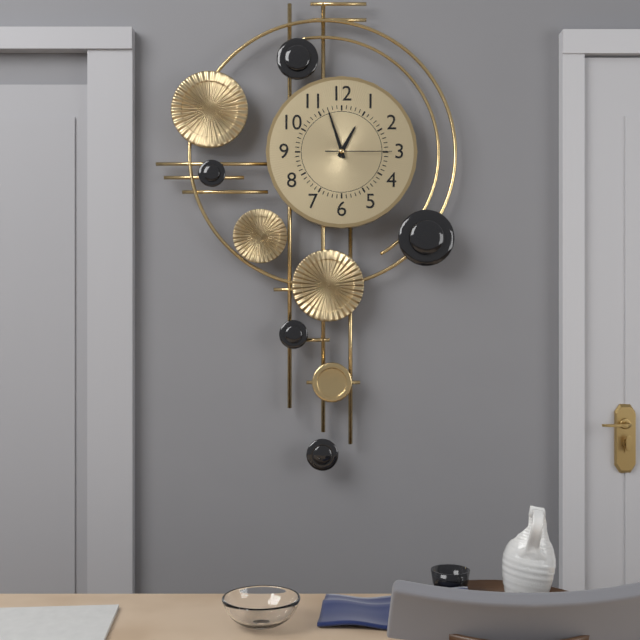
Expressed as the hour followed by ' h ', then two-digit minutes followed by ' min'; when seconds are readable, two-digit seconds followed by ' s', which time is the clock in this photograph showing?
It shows 12 h 57 min 15 s
